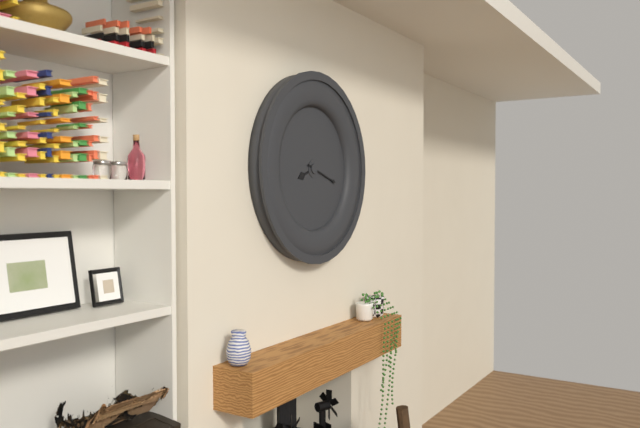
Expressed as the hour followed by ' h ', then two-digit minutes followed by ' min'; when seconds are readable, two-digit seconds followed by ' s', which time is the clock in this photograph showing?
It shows 8 h 18 min
